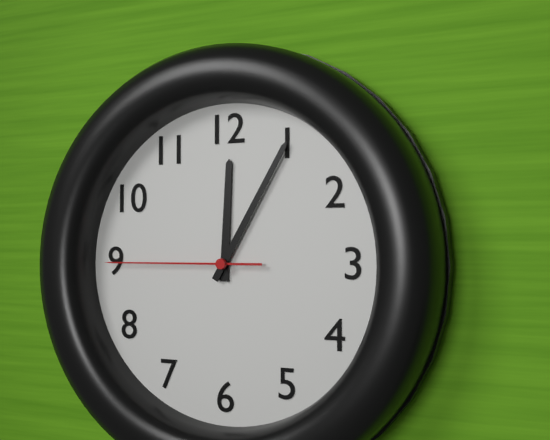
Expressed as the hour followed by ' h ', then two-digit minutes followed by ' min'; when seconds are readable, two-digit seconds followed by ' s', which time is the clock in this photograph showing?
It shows 12 h 05 min 45 s
